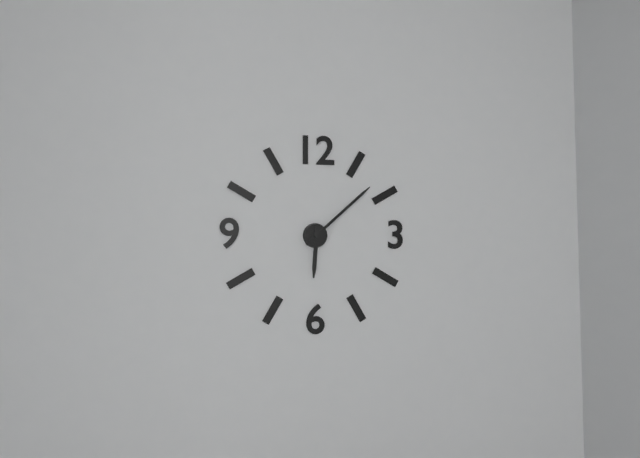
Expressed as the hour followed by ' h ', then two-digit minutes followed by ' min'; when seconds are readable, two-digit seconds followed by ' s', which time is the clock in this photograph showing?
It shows 6 h 08 min
